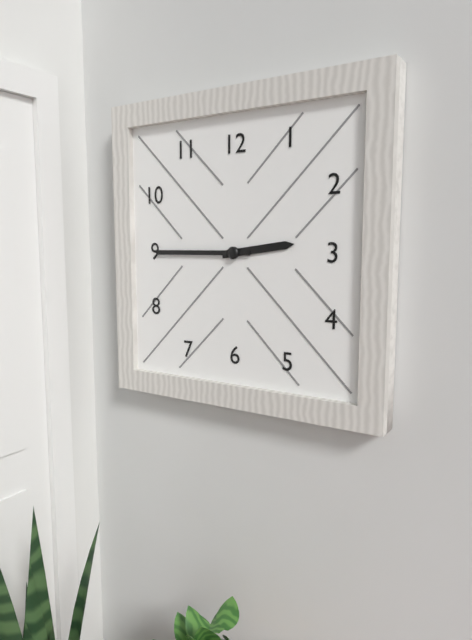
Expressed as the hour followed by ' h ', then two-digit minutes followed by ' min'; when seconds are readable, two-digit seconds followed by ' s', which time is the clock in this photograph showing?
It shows 2 h 45 min
